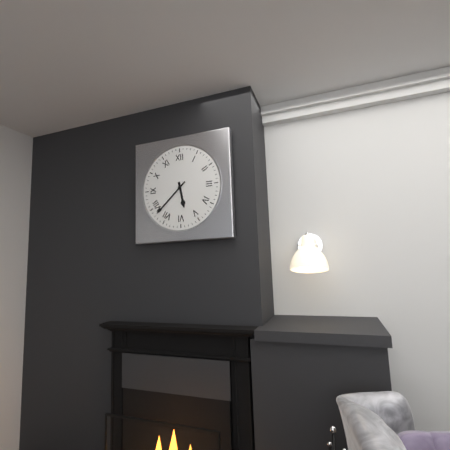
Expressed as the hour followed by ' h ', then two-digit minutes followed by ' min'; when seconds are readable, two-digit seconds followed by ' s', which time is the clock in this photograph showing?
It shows 5 h 38 min
